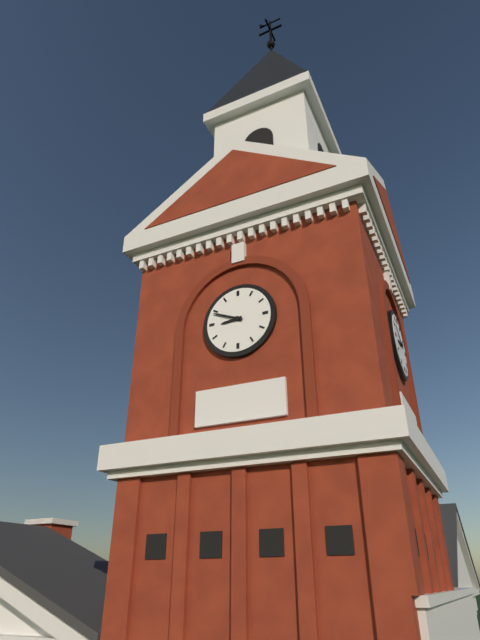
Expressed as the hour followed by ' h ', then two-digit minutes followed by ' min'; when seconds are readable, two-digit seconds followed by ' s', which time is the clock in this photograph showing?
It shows 8 h 49 min
